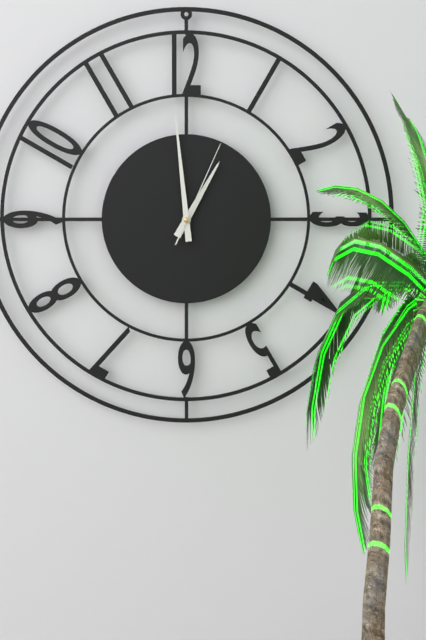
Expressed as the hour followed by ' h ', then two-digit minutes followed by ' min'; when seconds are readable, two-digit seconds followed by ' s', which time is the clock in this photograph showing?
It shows 12 h 59 min 04 s
